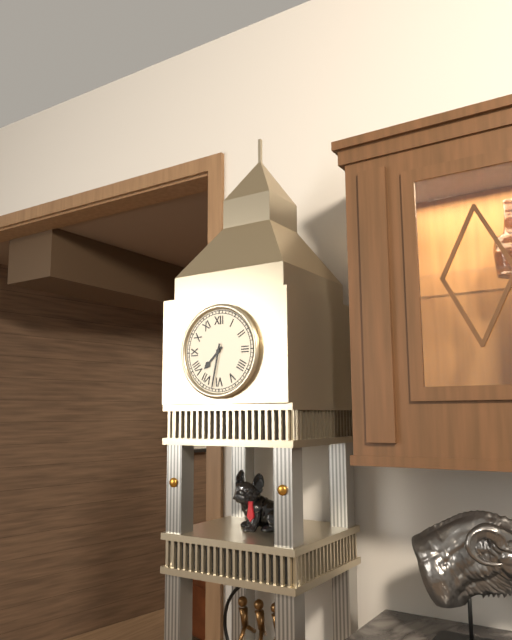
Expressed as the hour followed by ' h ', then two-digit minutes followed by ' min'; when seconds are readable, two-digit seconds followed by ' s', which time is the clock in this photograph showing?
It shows 7 h 32 min
